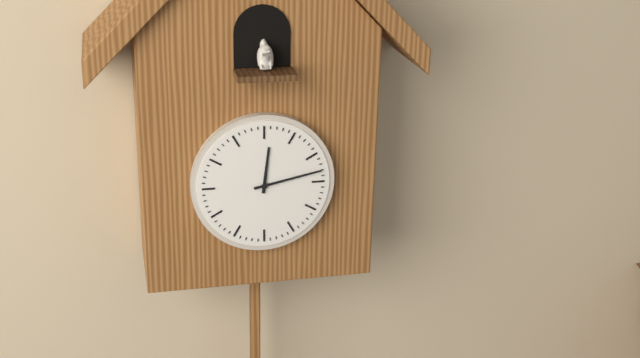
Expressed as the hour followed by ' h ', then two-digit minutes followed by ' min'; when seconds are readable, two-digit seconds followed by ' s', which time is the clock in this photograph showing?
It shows 12 h 13 min
